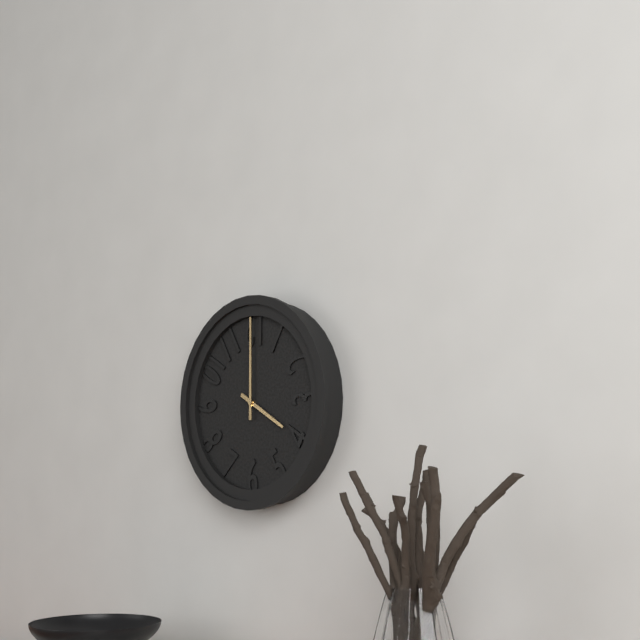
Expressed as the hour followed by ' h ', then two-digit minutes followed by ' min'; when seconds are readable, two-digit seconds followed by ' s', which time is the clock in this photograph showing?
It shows 4 h 00 min
